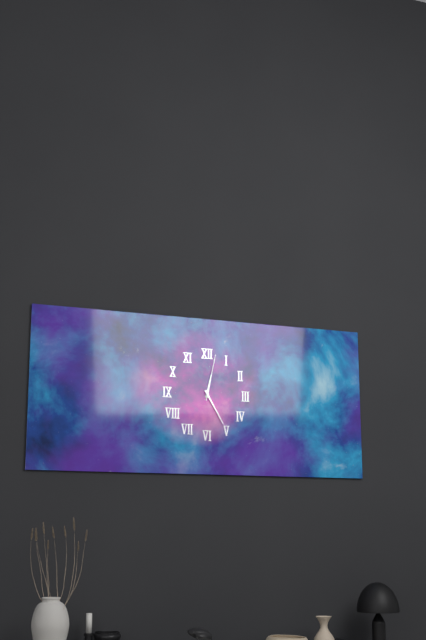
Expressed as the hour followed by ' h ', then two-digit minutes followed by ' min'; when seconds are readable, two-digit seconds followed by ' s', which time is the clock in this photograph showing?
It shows 12 h 25 min 02 s
